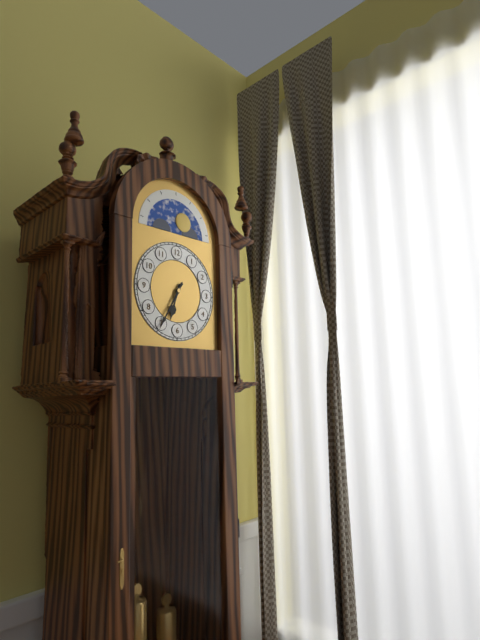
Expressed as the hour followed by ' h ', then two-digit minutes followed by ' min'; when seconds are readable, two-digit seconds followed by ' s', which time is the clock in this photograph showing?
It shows 6 h 35 min
